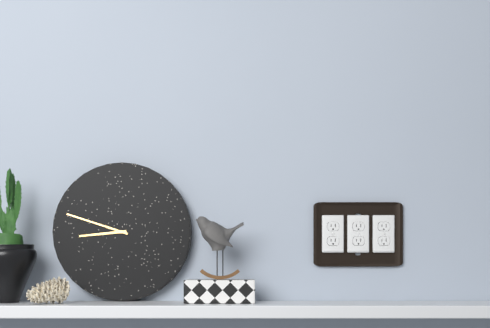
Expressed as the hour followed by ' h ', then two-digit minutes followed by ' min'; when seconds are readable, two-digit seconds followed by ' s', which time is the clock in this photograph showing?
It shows 8 h 48 min
